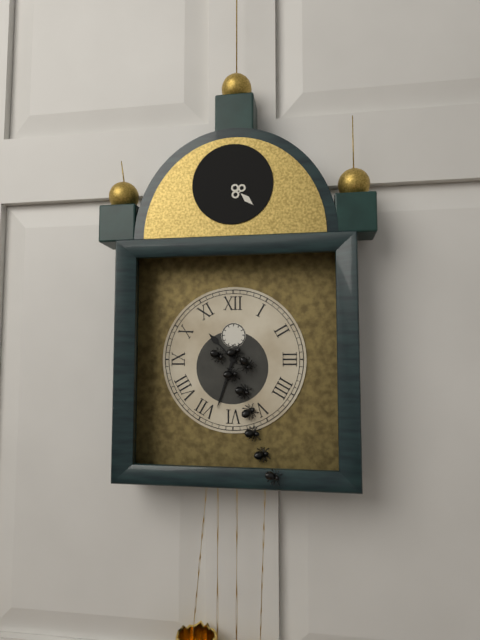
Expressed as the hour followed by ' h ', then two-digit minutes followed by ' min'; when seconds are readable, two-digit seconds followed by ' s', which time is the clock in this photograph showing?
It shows 10 h 33 min
